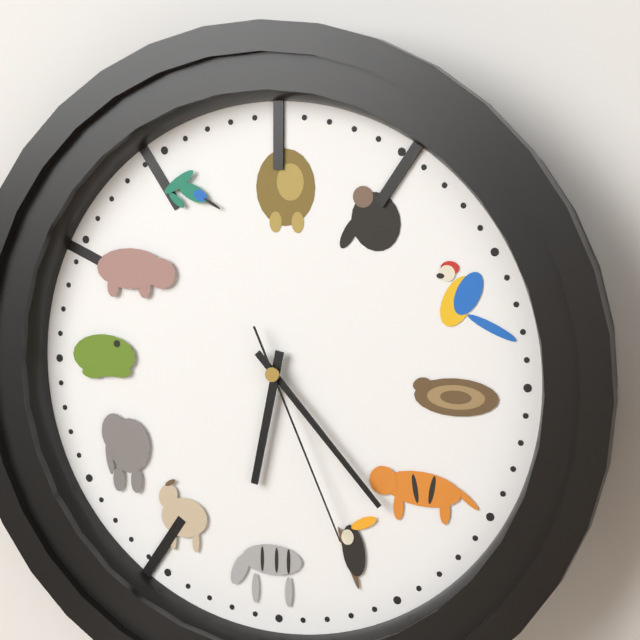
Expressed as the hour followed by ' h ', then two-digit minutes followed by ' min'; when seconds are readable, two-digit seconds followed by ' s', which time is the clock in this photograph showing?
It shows 6 h 23 min 26 s
